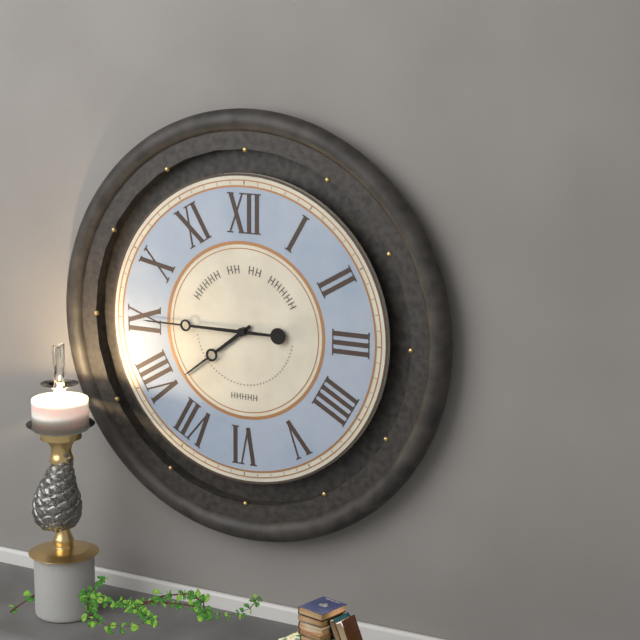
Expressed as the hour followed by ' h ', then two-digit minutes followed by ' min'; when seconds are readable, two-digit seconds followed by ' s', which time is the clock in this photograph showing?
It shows 7 h 45 min
